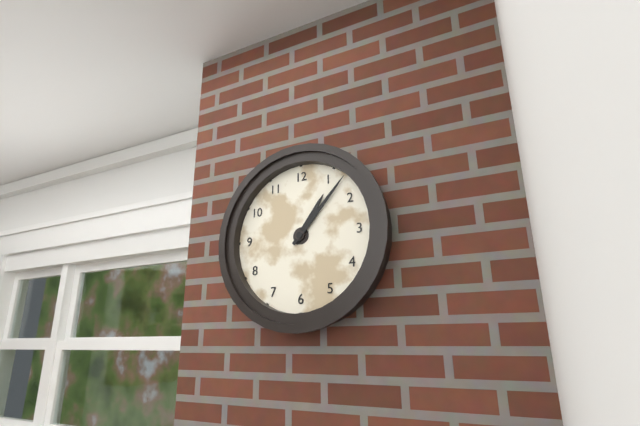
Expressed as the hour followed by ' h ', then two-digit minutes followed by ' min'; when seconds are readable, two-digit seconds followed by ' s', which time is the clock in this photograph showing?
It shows 1 h 07 min
